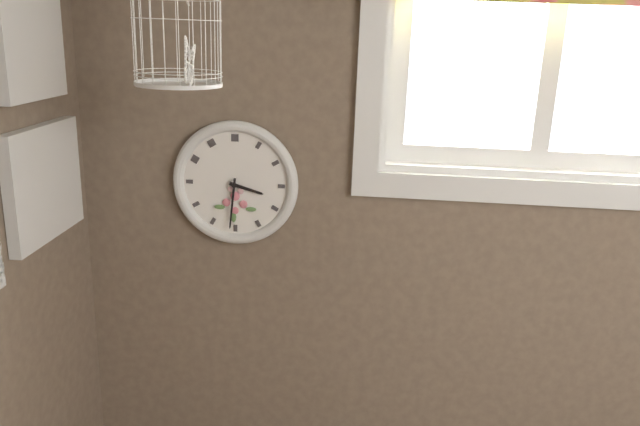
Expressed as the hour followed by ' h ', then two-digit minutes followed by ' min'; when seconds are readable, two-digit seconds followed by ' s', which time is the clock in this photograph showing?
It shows 3 h 31 min
